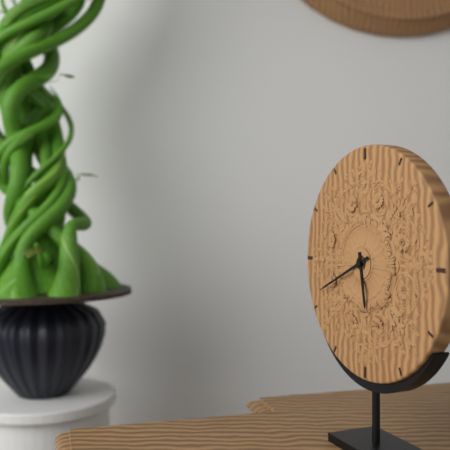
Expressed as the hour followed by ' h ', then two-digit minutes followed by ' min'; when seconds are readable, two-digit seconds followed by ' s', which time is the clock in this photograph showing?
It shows 5 h 41 min
